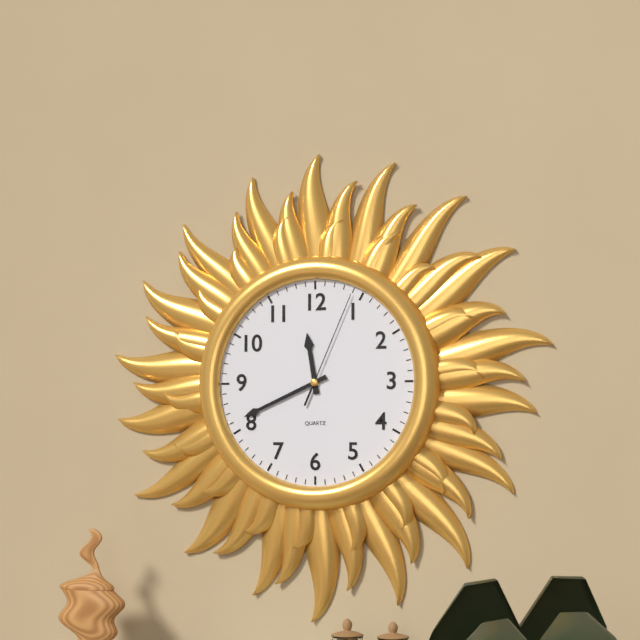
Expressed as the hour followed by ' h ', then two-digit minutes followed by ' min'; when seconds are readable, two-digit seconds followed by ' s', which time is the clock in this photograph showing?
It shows 11 h 41 min 04 s
